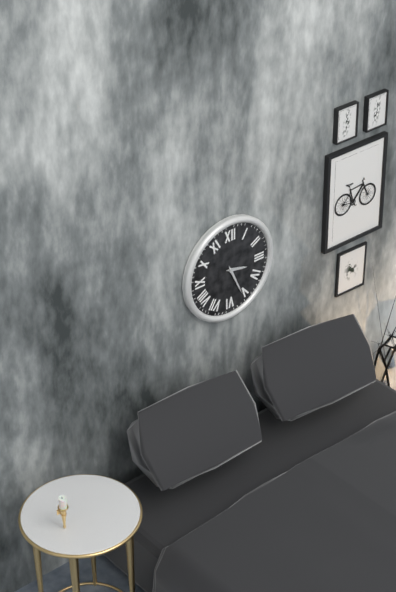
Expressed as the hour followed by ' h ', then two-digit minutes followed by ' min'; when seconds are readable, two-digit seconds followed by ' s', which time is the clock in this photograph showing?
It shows 3 h 26 min
